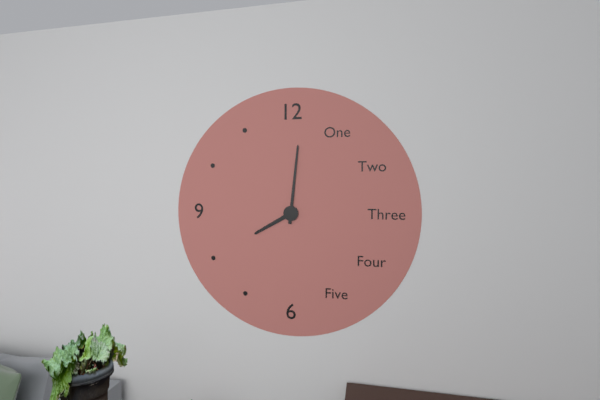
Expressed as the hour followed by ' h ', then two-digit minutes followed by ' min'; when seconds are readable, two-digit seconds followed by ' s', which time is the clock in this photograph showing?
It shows 8 h 01 min
